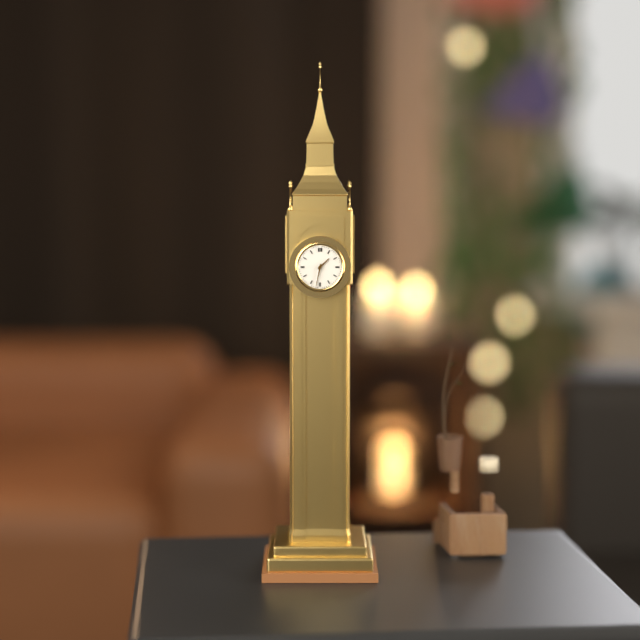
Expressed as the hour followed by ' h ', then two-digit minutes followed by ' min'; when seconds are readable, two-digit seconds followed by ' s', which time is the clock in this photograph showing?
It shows 1 h 32 min
